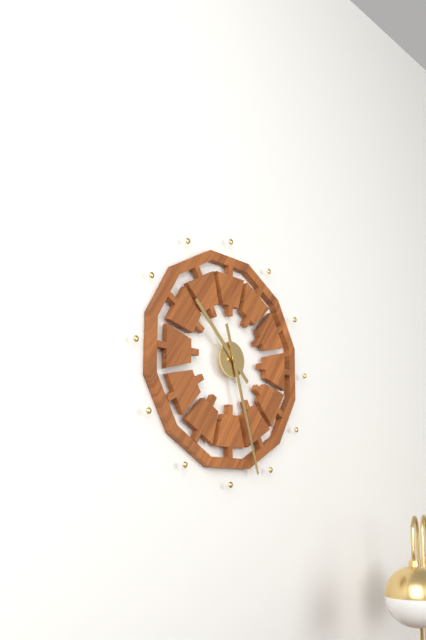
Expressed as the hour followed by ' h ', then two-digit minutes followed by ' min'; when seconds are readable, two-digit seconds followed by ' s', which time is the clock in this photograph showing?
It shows 10 h 27 min
